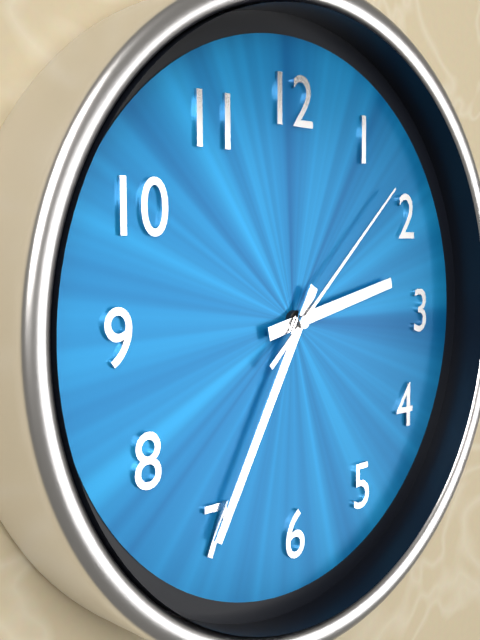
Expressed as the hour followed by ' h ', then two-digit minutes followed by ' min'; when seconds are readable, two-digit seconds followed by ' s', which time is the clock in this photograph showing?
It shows 2 h 35 min 08 s
